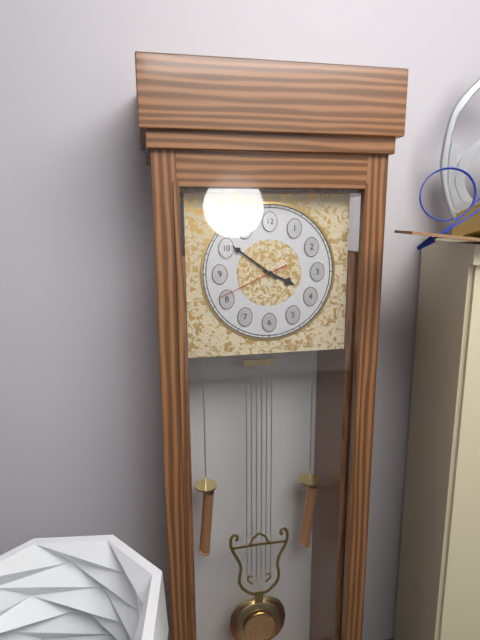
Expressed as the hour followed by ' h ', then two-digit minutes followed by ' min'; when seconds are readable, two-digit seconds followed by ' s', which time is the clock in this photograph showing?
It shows 3 h 51 min 41 s
